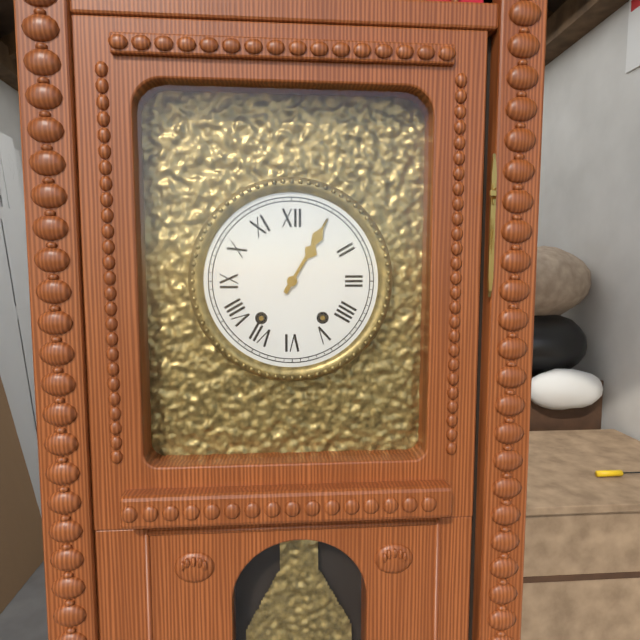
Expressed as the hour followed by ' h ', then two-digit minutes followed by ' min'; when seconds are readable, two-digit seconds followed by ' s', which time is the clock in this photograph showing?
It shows 1 h 05 min
